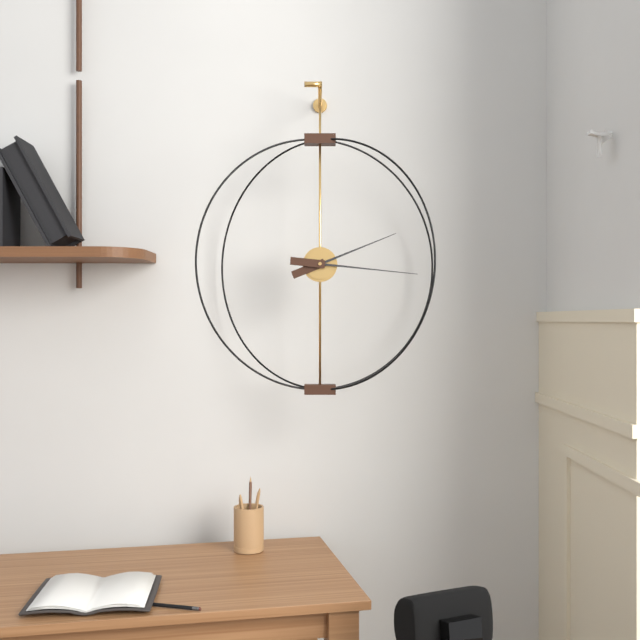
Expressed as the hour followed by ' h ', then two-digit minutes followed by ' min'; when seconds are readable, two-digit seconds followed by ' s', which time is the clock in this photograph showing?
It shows 2 h 16 min
